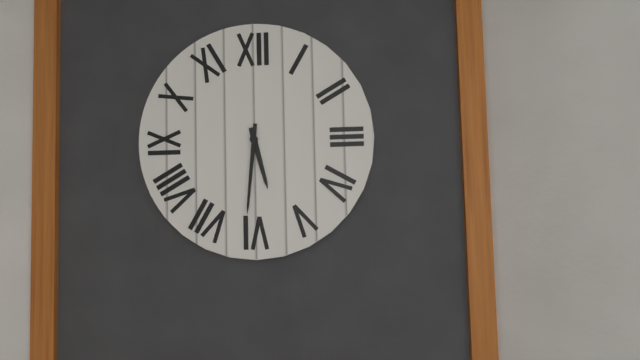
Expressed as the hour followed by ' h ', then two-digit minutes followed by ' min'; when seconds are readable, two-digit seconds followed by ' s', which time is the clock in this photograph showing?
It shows 5 h 31 min
